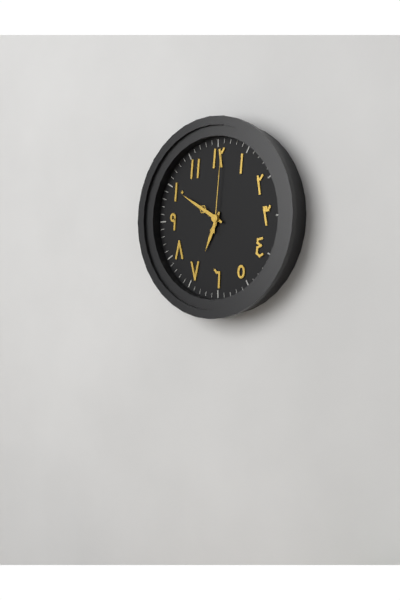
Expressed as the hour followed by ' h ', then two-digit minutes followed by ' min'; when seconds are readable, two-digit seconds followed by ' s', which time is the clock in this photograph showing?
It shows 6 h 50 min 01 s
